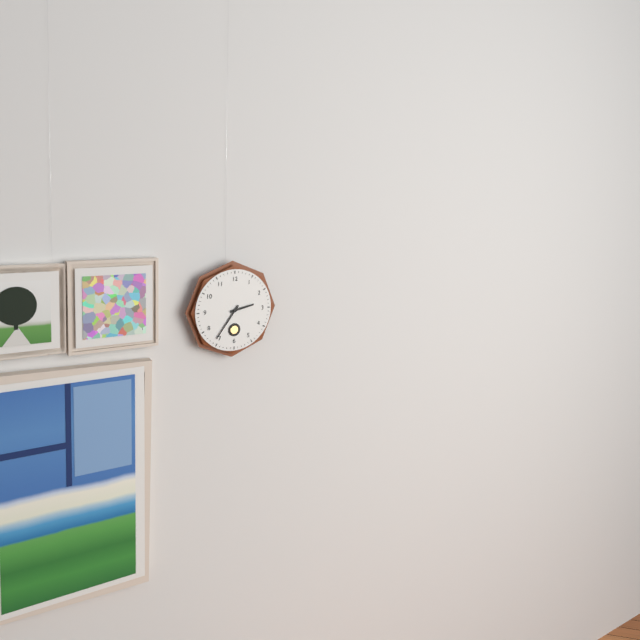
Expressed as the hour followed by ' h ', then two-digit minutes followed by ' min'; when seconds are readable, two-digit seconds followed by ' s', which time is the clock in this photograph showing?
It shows 2 h 36 min
